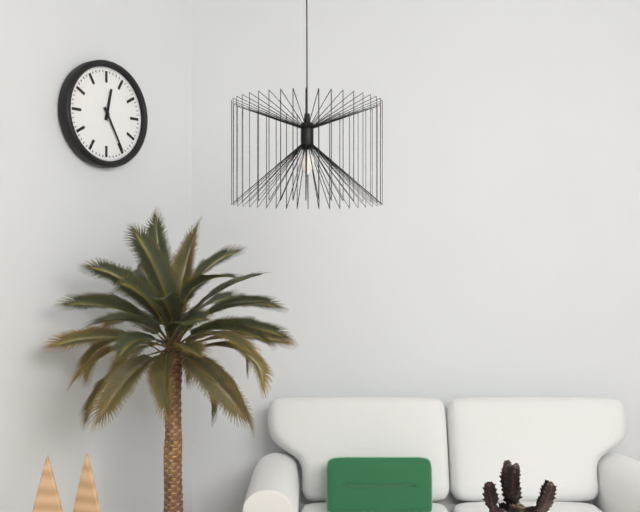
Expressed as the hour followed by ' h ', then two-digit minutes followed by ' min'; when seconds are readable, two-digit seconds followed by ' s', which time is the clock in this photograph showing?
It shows 12 h 25 min
